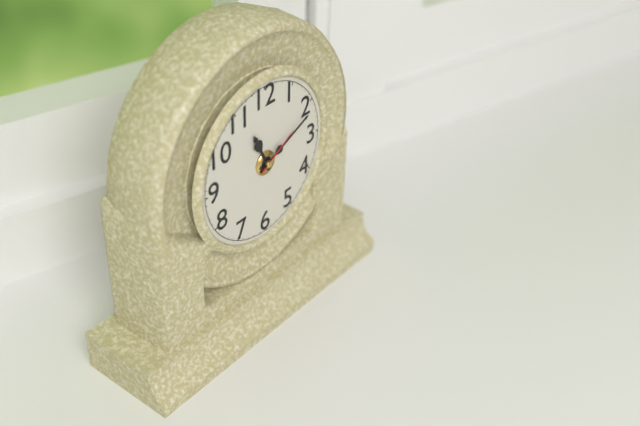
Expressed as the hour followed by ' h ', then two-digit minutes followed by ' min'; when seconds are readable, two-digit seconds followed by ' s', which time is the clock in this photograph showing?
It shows 11 h 11 min 10 s
